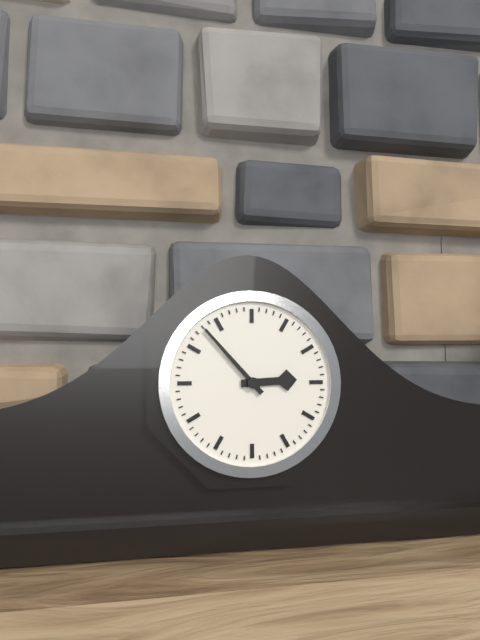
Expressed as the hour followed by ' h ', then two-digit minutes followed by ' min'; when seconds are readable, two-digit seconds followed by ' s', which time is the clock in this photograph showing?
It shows 2 h 53 min
